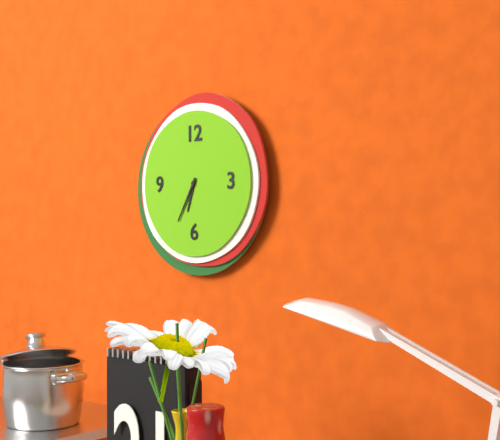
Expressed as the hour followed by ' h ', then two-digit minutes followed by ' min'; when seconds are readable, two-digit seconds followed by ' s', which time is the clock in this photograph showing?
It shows 6 h 35 min
